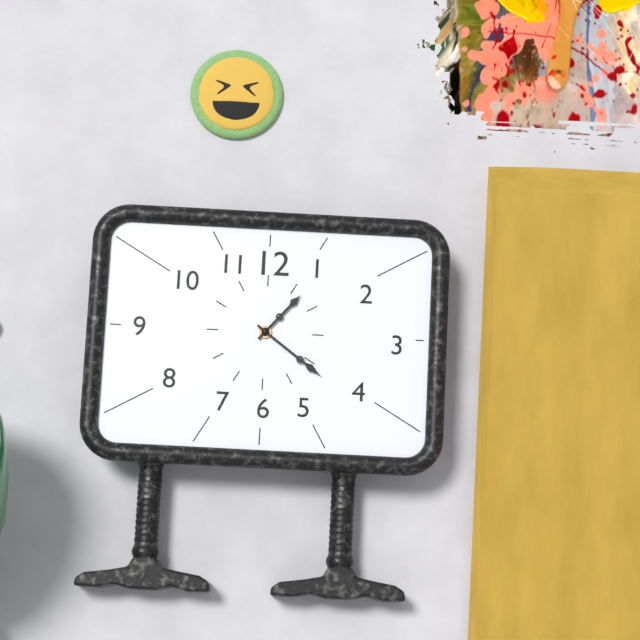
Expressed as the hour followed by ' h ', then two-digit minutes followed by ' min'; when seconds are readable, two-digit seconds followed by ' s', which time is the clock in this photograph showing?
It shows 1 h 21 min
